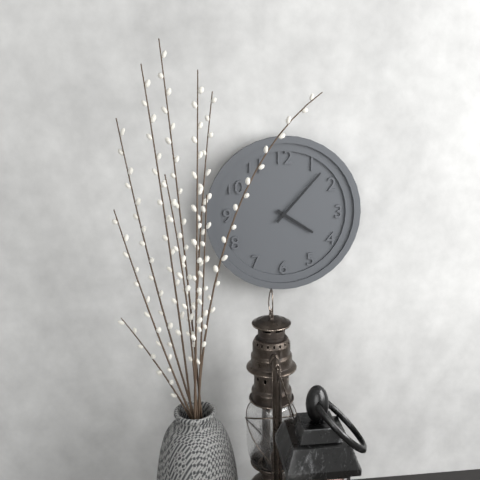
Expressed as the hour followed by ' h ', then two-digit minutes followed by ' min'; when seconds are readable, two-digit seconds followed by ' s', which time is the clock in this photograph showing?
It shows 4 h 07 min
